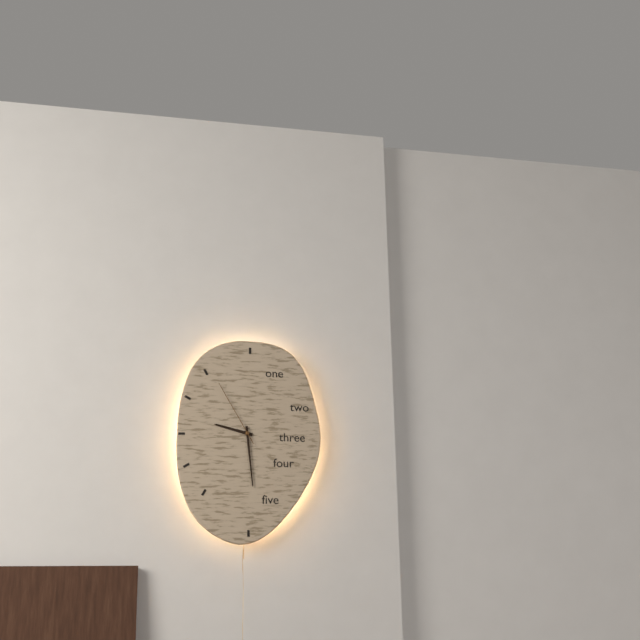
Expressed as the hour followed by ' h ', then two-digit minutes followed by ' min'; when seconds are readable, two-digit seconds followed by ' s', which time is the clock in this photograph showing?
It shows 9 h 29 min 55 s
